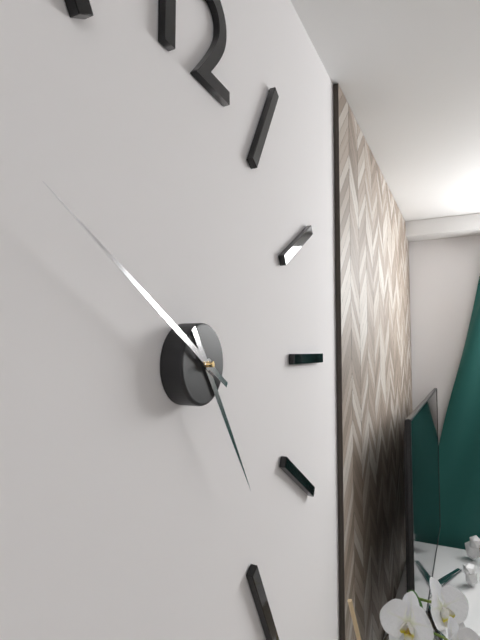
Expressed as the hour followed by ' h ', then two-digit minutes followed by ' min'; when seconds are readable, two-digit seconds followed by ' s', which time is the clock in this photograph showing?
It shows 4 h 50 min
